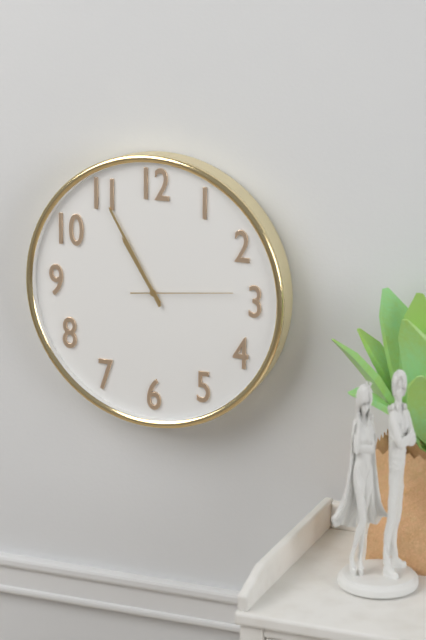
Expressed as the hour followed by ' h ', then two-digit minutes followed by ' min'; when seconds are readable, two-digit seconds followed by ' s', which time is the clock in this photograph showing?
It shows 10 h 55 min 14 s
